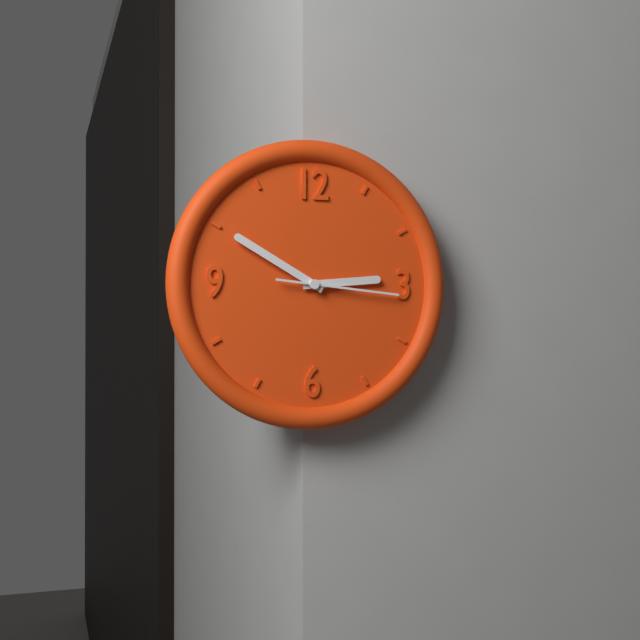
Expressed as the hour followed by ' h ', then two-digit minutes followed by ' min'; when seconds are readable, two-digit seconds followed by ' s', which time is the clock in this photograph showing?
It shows 2 h 50 min 16 s
